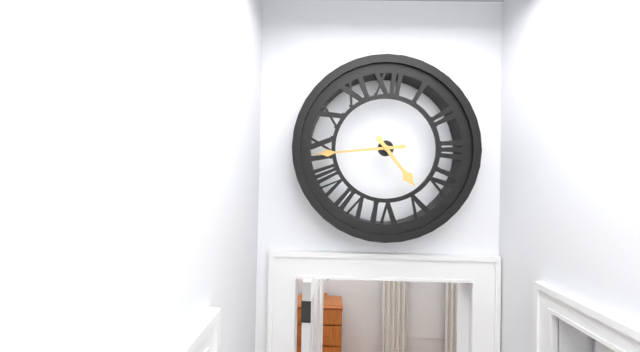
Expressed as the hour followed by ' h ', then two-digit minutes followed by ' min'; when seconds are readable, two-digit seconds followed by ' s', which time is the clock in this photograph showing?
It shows 4 h 44 min
